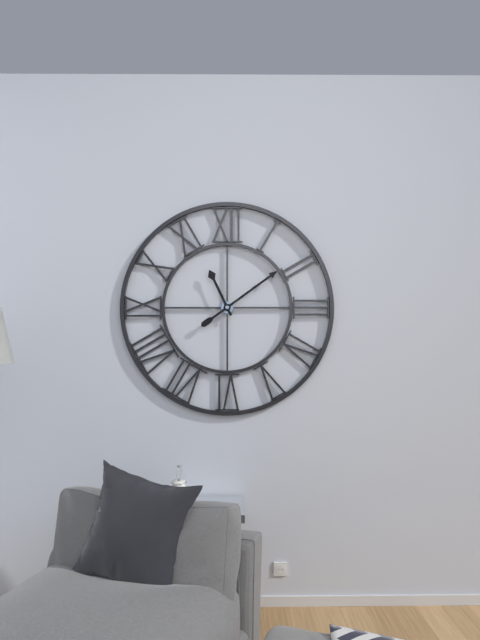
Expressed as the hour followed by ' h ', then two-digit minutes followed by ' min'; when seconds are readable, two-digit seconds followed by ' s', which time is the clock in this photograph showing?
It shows 11 h 09 min
